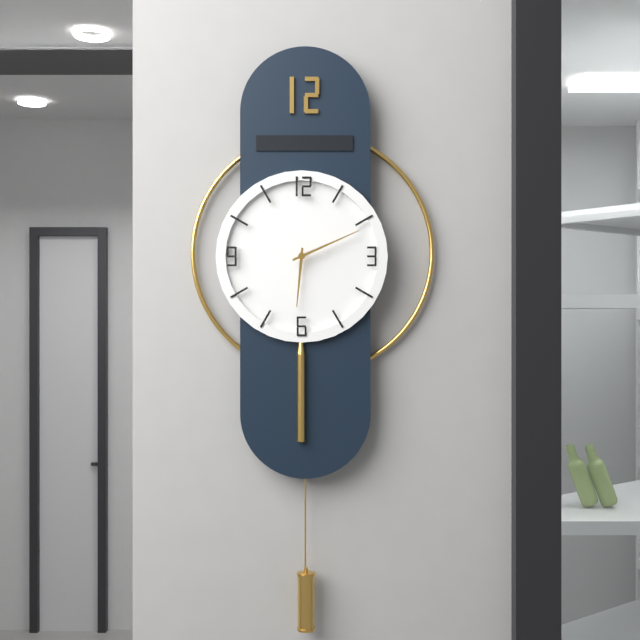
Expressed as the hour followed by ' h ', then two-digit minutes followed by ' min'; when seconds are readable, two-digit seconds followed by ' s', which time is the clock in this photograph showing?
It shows 6 h 11 min
